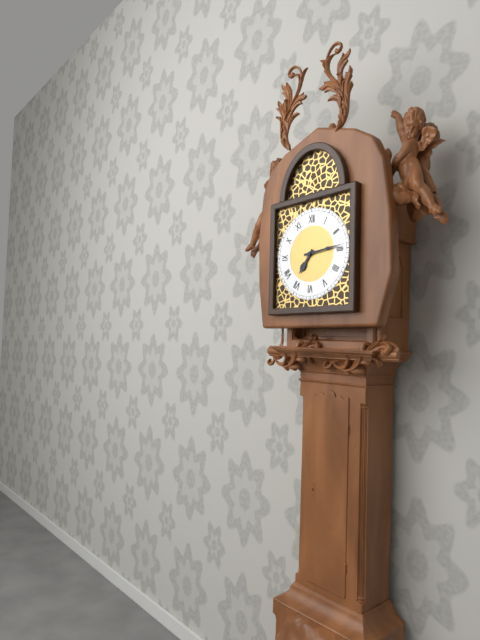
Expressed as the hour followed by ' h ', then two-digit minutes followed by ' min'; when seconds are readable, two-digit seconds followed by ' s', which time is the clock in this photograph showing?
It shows 7 h 14 min
